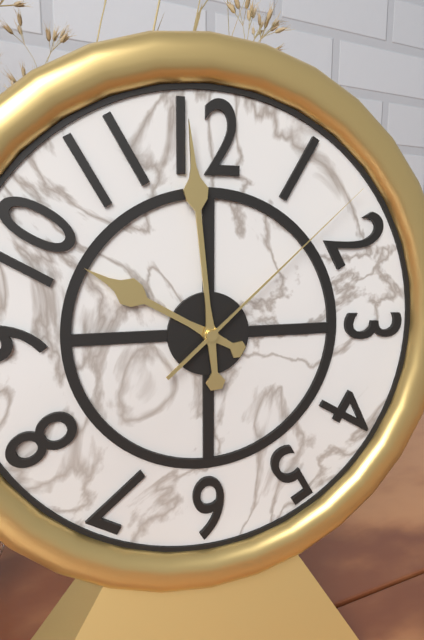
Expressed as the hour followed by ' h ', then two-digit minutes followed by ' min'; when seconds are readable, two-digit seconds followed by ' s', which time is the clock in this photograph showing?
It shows 9 h 59 min 08 s
